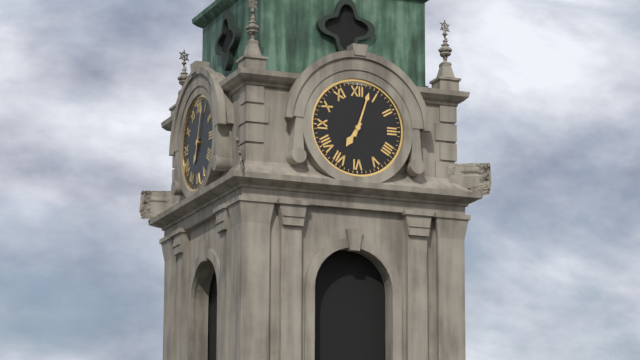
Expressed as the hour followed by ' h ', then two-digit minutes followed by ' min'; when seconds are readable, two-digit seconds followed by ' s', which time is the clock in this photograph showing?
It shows 7 h 03 min
